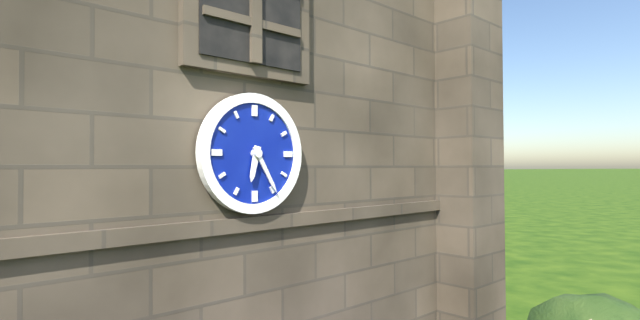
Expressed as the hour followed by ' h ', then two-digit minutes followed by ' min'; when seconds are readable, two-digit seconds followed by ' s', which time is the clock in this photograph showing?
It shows 6 h 25 min
